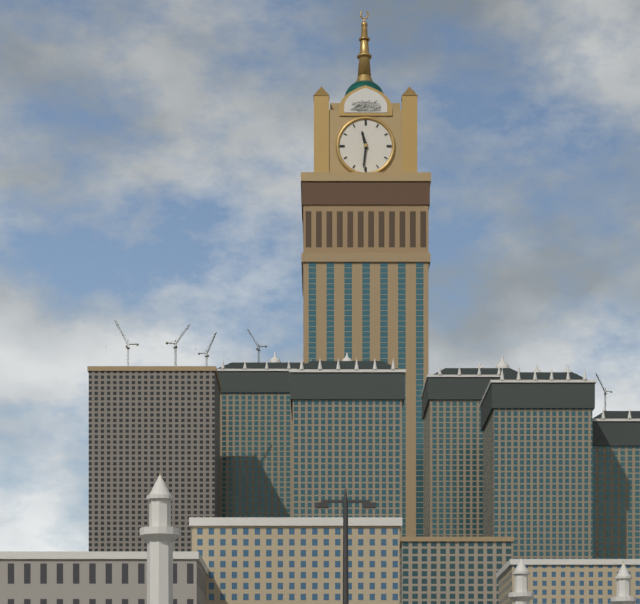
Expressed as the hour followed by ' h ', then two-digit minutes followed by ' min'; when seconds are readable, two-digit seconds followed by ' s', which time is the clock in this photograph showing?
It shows 11 h 31 min
